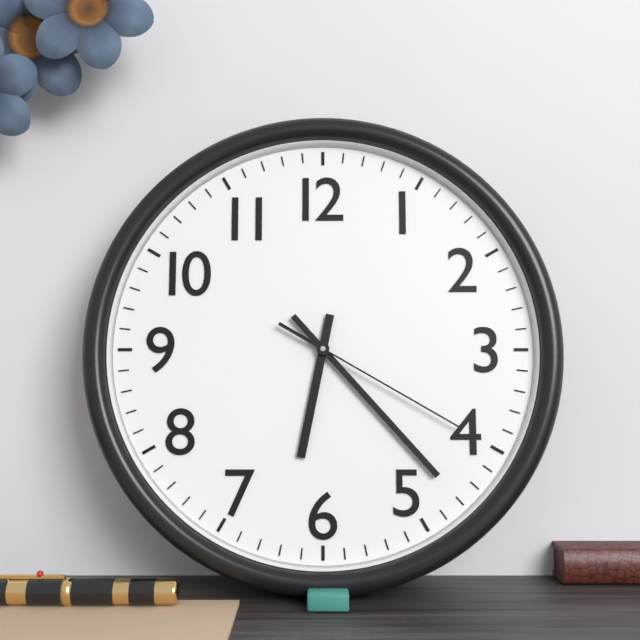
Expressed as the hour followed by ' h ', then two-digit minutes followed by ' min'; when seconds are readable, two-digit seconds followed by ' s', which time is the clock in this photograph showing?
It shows 6 h 23 min 20 s
